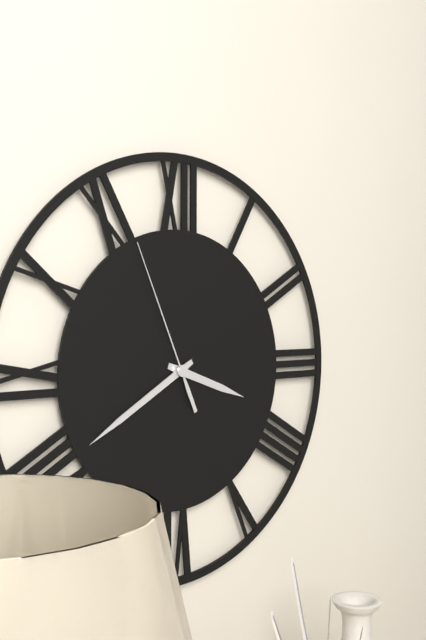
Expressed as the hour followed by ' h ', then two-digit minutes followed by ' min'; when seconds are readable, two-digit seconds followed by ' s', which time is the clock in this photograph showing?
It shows 3 h 40 min 56 s
